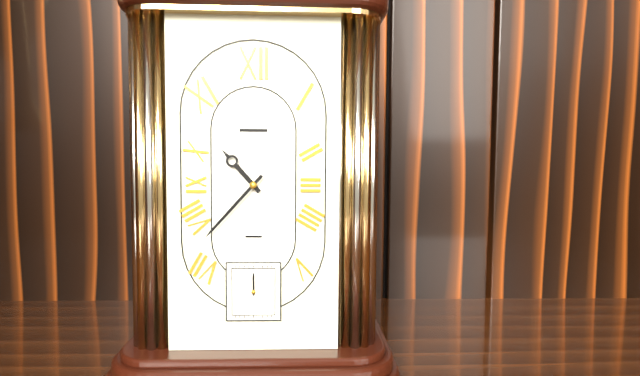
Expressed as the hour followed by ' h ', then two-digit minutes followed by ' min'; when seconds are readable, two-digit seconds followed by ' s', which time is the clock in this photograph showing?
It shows 10 h 37 min
